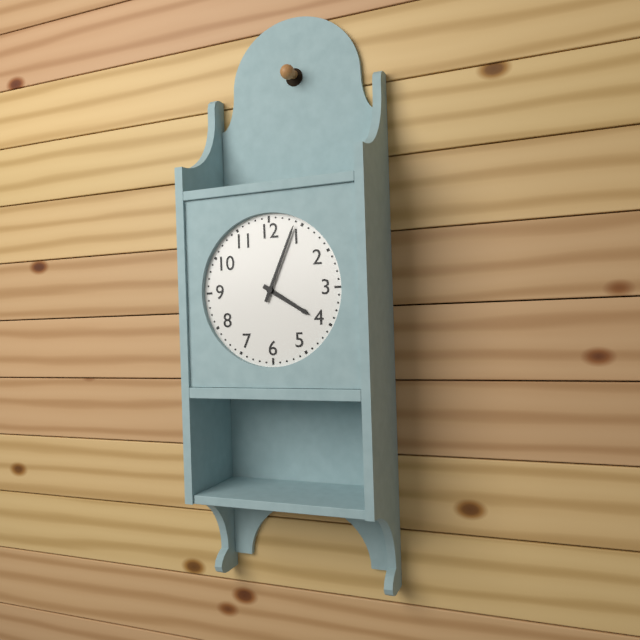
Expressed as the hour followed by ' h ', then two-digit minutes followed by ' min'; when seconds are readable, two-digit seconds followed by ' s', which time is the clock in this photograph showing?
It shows 4 h 04 min
